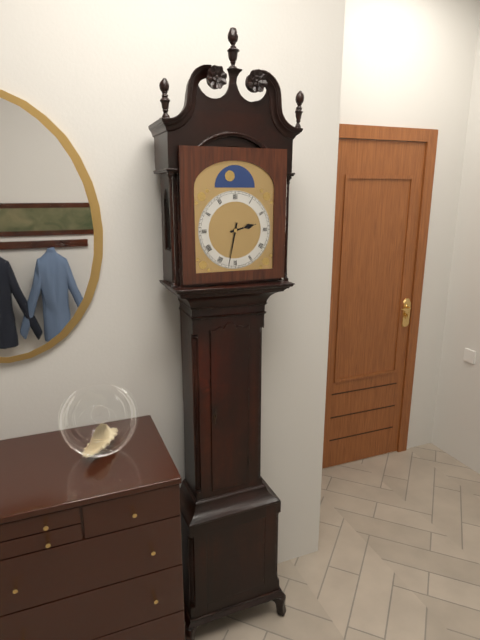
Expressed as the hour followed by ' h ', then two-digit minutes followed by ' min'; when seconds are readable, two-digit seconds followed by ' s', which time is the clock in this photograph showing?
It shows 2 h 32 min
